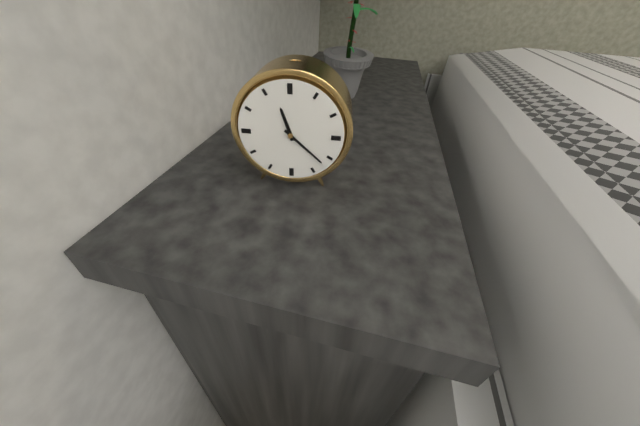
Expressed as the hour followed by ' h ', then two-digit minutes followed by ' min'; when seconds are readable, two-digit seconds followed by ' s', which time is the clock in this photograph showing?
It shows 11 h 22 min
